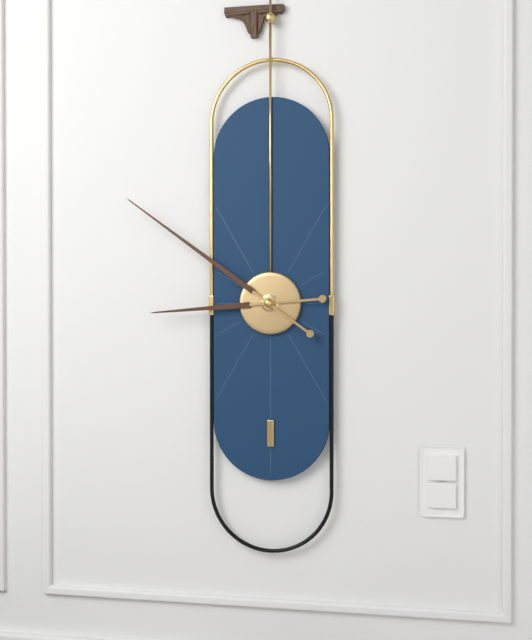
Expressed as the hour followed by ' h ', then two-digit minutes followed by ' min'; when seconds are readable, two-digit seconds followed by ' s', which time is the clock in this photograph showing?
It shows 8 h 51 min
